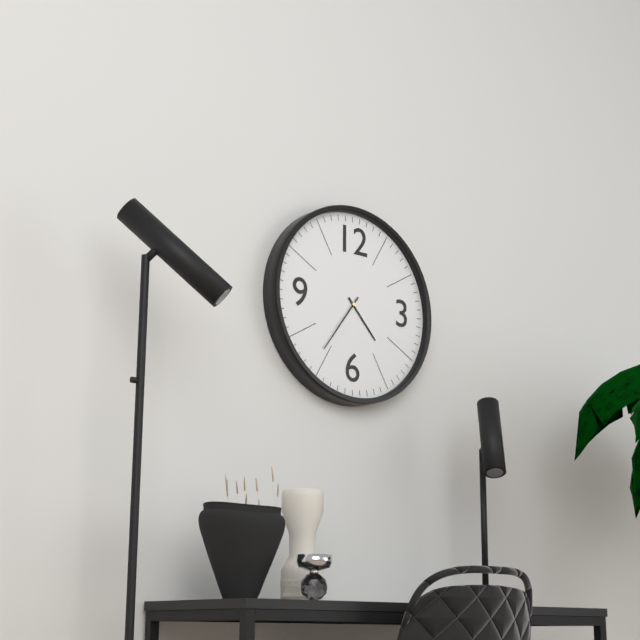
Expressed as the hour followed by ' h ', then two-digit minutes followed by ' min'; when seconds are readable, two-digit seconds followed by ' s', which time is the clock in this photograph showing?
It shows 4 h 36 min
